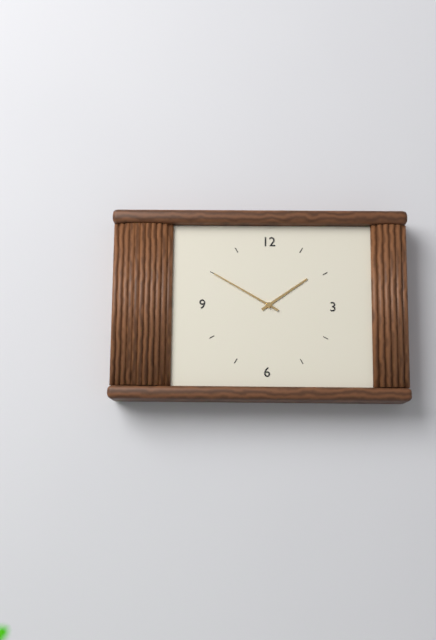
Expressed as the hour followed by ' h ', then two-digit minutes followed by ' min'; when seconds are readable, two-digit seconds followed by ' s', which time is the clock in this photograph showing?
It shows 1 h 50 min
